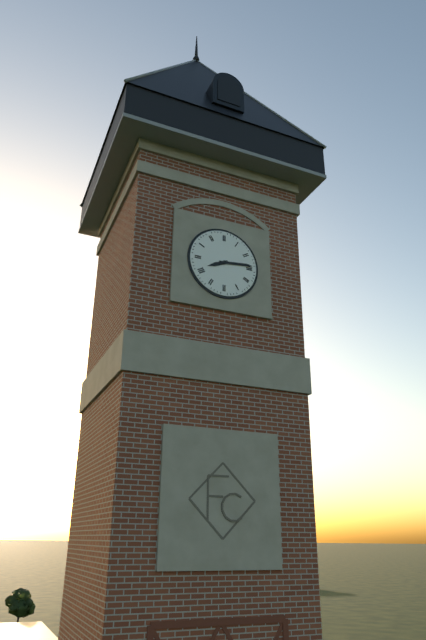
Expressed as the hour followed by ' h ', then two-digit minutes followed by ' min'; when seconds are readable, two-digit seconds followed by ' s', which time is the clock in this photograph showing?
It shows 8 h 14 min
